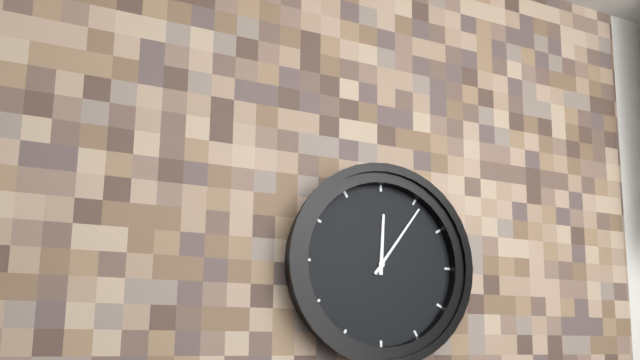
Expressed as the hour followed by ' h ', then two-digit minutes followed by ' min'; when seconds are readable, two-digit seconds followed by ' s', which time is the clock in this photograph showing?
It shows 12 h 06 min
